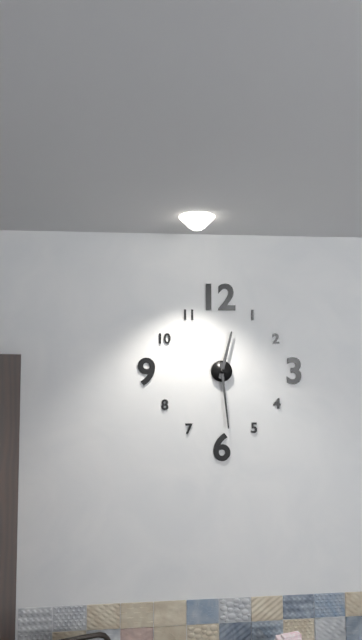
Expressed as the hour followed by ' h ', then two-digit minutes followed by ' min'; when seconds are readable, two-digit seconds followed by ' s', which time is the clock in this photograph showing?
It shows 12 h 29 min
